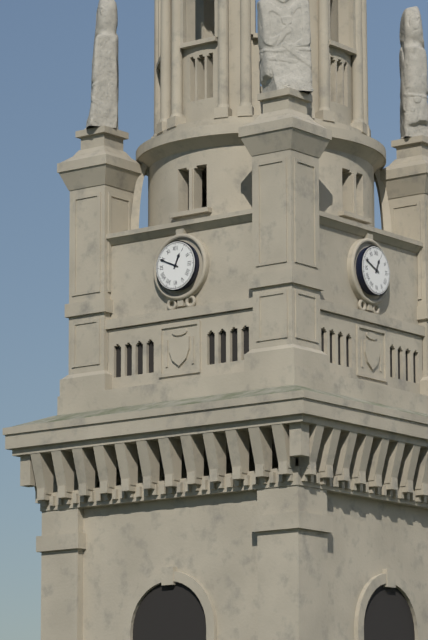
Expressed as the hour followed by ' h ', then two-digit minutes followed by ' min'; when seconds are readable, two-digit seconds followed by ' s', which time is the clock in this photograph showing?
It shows 12 h 49 min
